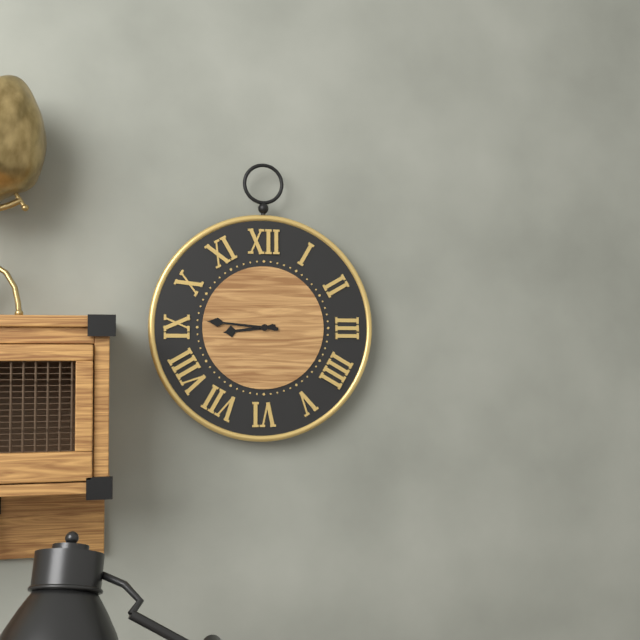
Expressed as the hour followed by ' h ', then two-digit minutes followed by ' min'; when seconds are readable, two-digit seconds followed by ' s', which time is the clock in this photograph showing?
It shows 8 h 46 min
